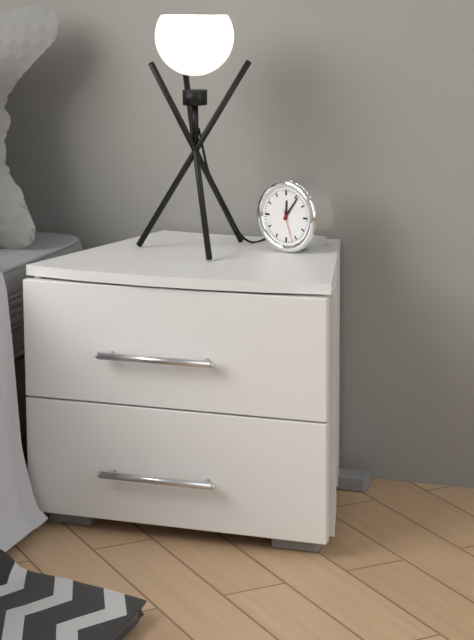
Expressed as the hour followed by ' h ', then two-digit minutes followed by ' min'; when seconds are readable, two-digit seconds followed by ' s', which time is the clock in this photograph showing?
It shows 12 h 06 min
